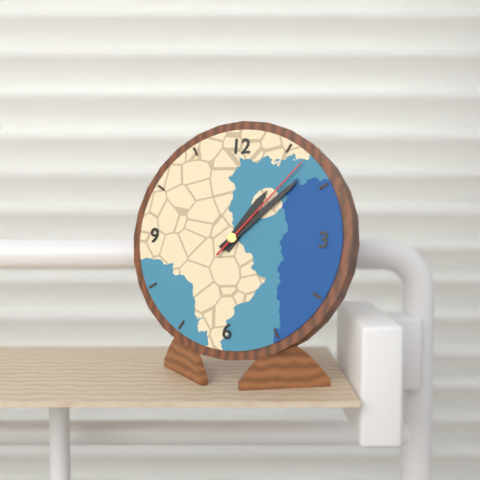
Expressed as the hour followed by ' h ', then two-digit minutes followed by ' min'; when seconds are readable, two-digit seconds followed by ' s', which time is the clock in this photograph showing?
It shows 1 h 08 min 07 s
